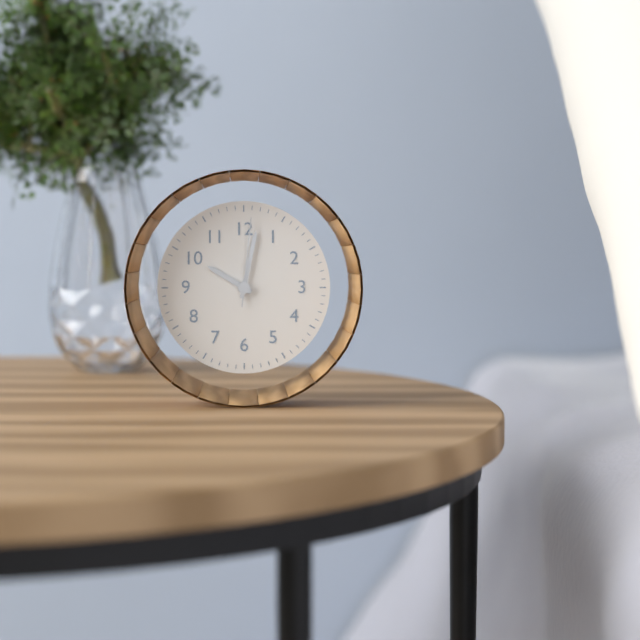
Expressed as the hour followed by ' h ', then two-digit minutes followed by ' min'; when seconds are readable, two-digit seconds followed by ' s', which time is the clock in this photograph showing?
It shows 10 h 02 min 01 s
